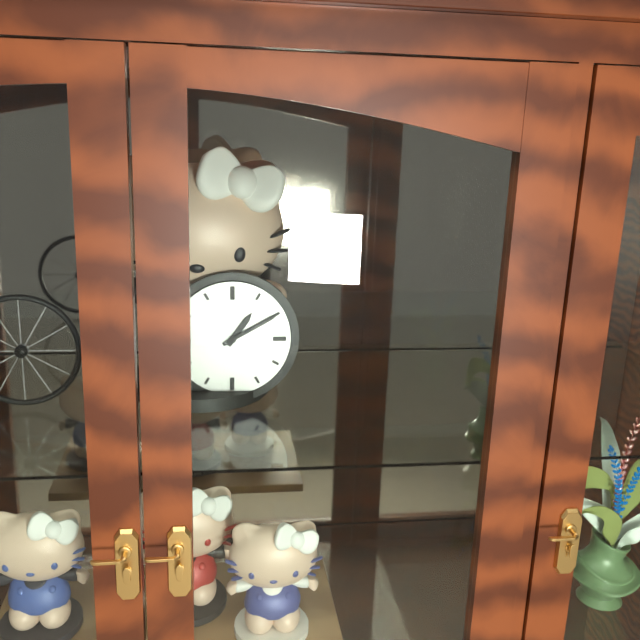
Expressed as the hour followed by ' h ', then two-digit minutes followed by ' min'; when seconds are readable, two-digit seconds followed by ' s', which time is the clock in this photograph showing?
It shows 1 h 10 min
